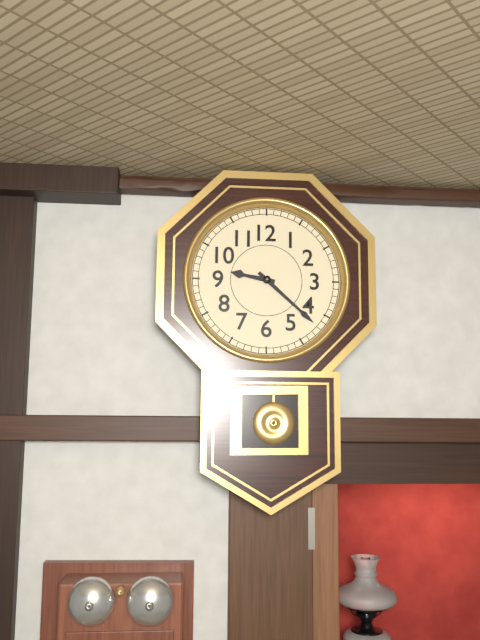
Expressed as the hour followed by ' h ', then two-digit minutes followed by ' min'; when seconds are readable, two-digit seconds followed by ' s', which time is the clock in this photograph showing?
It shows 9 h 22 min
